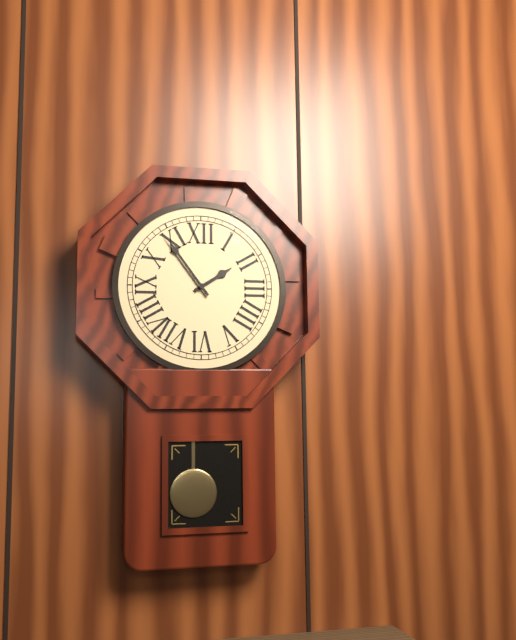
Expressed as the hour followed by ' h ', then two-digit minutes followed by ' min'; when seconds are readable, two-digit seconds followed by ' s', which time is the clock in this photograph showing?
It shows 1 h 54 min
